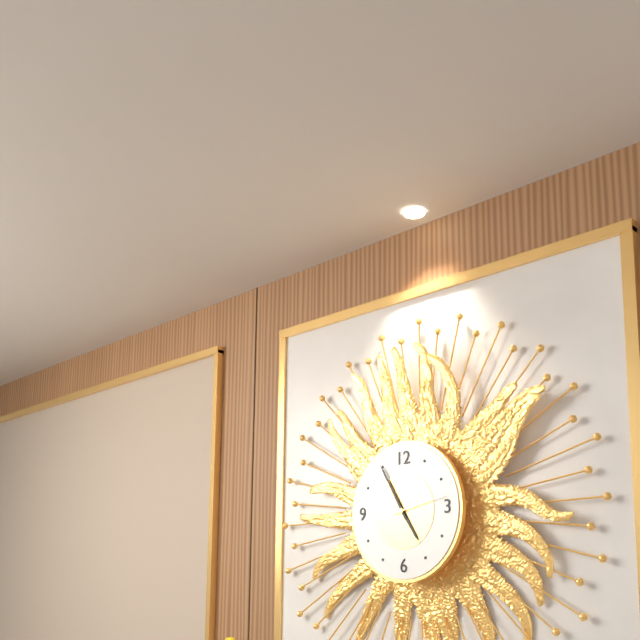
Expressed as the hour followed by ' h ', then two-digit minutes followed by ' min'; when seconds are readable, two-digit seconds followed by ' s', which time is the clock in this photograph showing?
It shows 4 h 55 min 13 s
